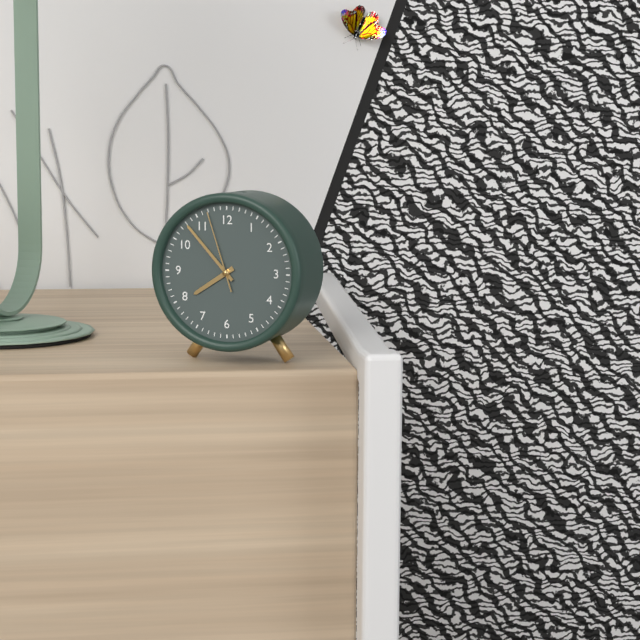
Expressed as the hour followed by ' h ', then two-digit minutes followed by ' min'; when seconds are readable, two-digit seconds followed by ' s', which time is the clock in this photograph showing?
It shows 7 h 53 min 57 s
